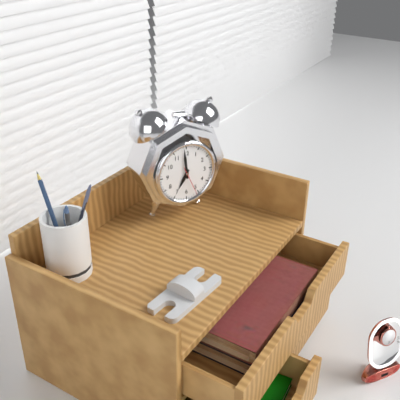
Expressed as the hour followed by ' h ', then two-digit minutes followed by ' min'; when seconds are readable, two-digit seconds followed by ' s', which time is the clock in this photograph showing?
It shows 6 h 59 min
